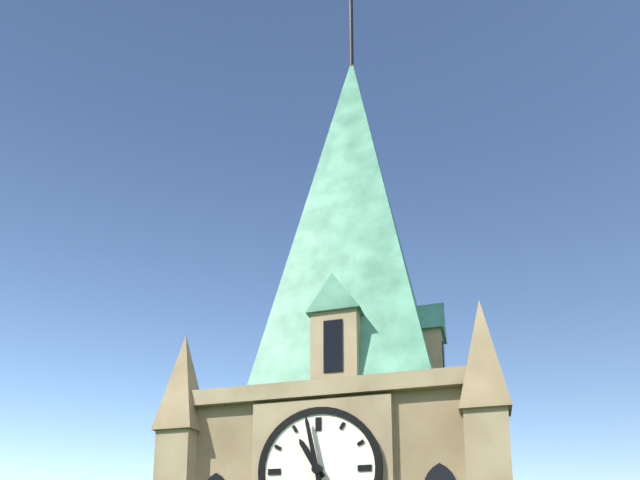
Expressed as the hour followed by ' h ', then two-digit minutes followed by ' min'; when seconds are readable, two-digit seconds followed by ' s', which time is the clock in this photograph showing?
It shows 10 h 58 min
